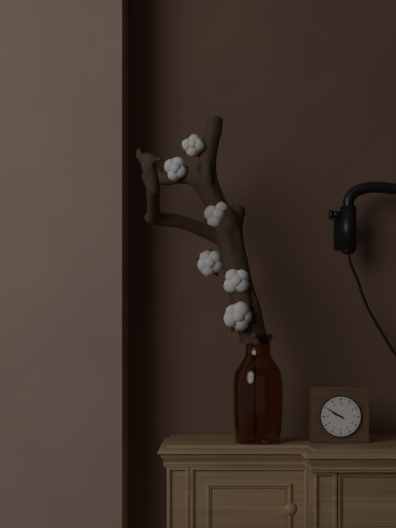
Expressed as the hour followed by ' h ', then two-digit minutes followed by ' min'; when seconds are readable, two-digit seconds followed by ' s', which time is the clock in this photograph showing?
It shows 9 h 50 min
